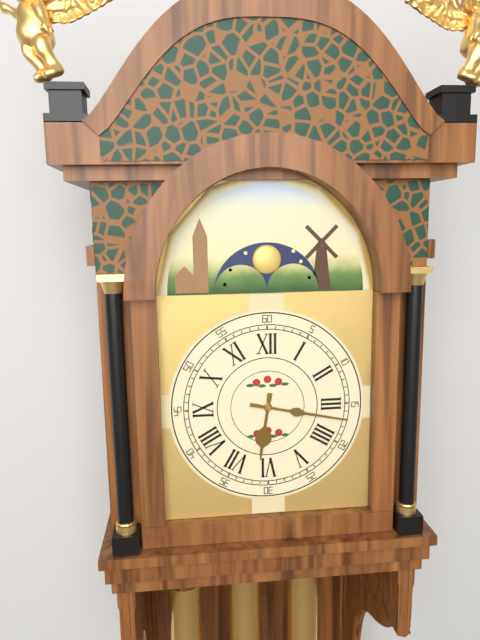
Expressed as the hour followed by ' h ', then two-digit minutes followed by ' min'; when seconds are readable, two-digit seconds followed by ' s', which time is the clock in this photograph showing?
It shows 6 h 17 min
